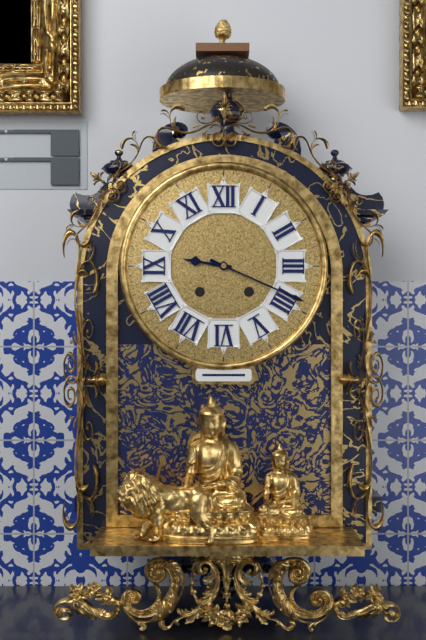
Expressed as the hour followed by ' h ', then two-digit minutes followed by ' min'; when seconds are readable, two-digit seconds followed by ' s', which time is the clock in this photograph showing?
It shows 9 h 19 min
